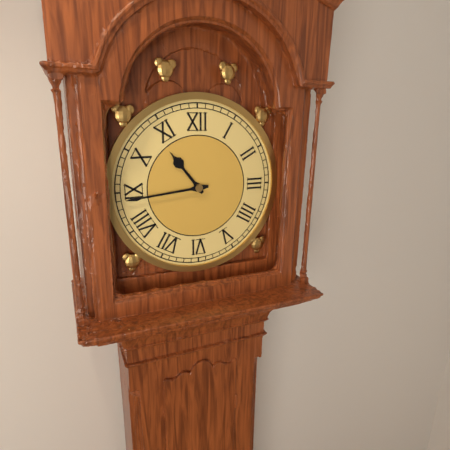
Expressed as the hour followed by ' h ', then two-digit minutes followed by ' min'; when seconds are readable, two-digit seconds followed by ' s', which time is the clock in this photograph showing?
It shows 10 h 44 min
